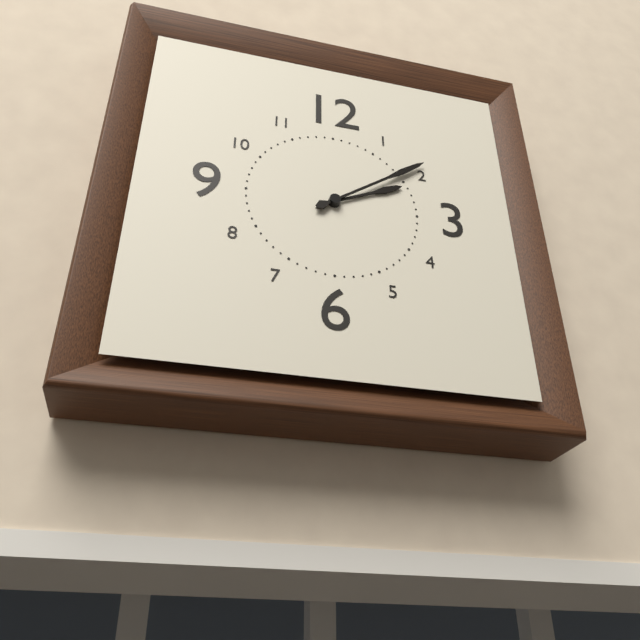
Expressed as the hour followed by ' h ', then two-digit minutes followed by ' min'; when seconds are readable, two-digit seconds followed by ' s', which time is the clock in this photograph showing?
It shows 2 h 09 min
